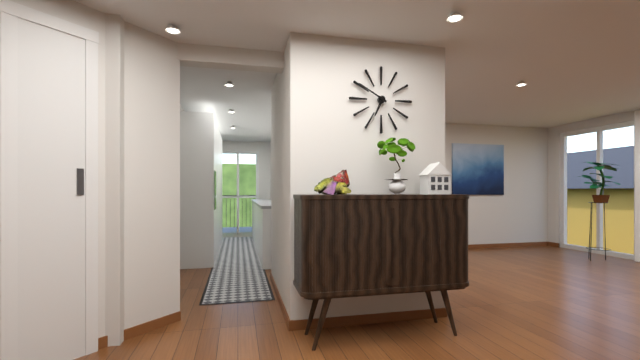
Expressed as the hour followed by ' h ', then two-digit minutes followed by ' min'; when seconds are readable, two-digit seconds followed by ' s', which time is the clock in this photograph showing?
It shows 6 h 50 min
